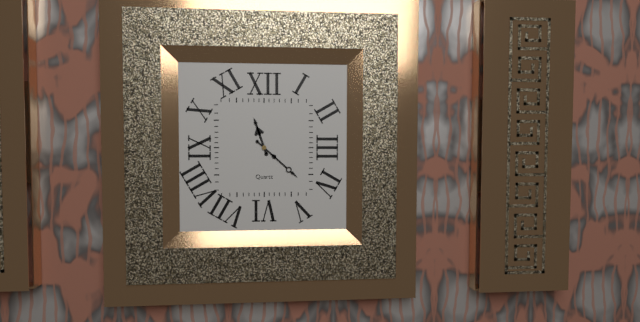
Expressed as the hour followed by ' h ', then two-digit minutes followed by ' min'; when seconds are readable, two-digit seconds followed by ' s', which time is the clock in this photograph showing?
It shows 11 h 22 min
